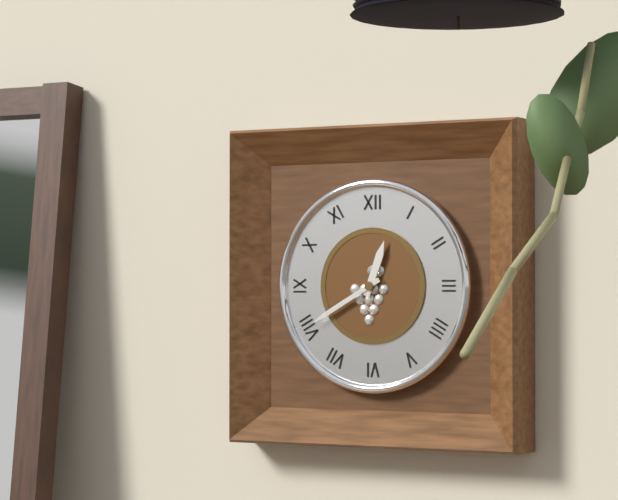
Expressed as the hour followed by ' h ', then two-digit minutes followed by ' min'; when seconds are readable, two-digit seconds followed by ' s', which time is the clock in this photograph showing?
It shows 12 h 40 min
